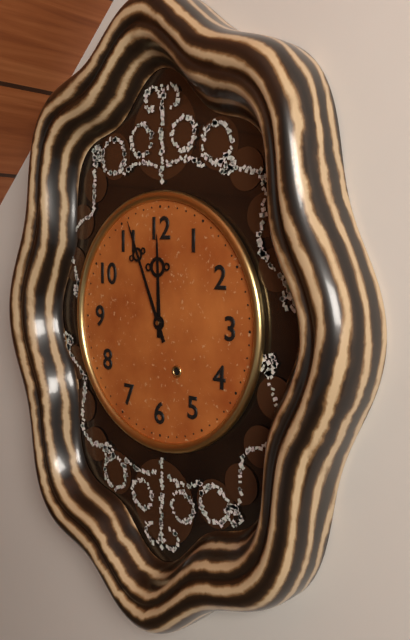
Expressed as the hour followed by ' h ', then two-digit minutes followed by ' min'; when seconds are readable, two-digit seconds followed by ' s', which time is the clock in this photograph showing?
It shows 11 h 56 min
